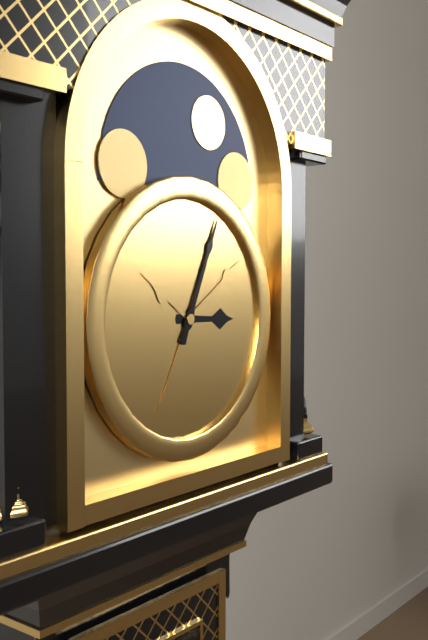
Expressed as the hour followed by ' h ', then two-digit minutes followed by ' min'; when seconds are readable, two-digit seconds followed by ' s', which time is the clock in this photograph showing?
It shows 3 h 04 min
